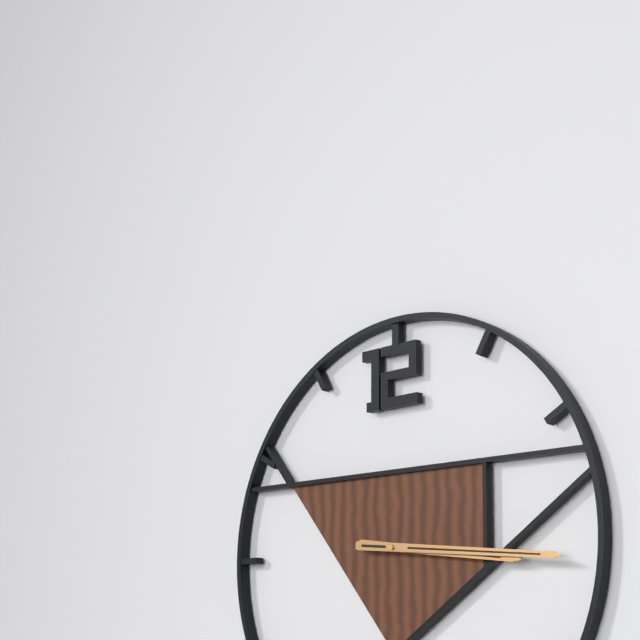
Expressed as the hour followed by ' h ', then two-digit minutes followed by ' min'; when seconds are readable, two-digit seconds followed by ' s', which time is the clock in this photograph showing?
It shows 3 h 16 min
